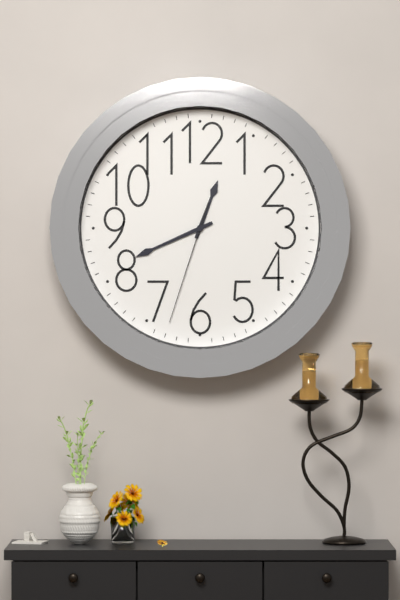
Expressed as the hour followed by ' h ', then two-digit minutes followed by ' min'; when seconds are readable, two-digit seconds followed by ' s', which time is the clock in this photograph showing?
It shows 12 h 41 min 33 s
